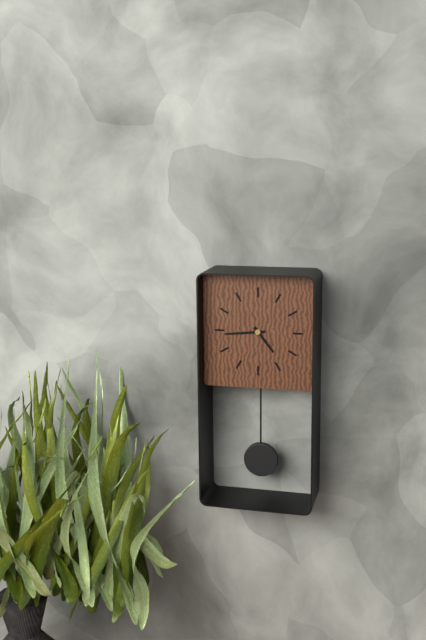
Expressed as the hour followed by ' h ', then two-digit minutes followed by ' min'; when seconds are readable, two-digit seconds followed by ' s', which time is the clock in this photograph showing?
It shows 4 h 44 min
